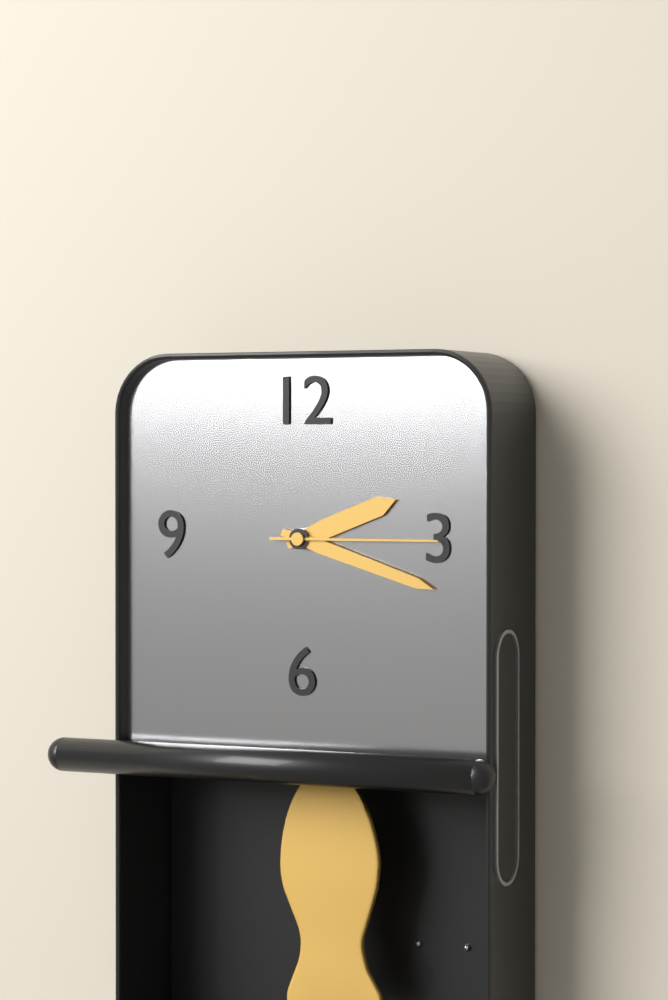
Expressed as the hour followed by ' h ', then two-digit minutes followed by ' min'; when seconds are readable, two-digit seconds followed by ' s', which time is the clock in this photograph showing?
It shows 2 h 18 min 15 s
